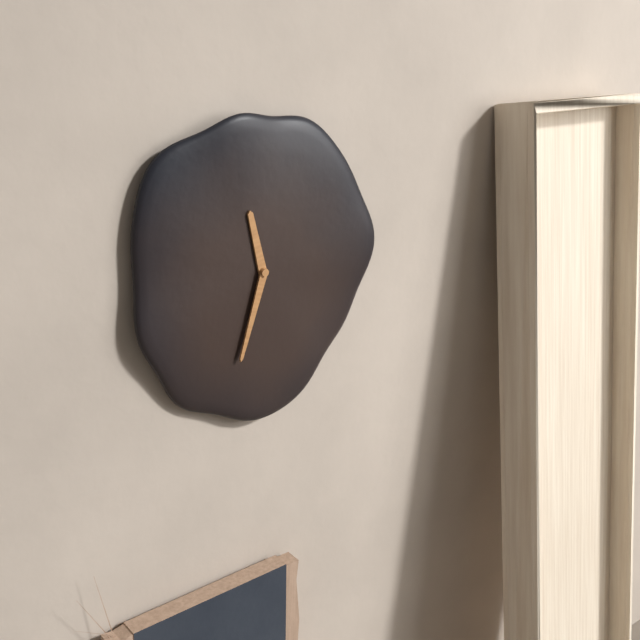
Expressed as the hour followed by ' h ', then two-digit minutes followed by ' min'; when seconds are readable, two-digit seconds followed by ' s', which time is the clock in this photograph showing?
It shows 11 h 33 min
